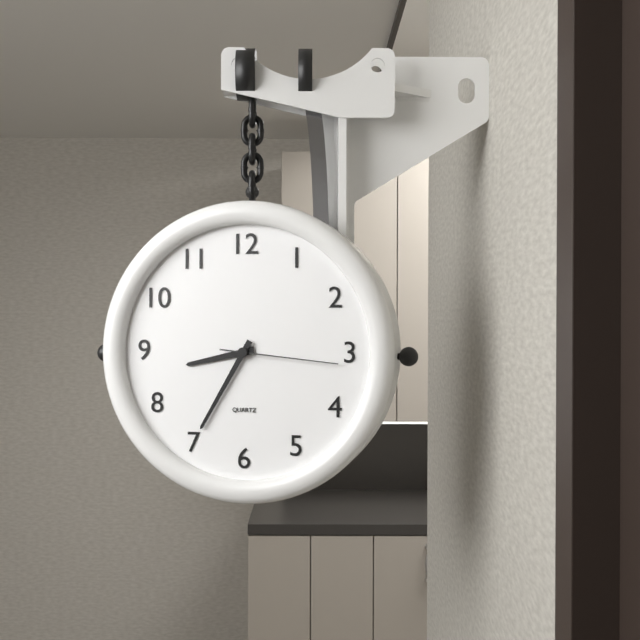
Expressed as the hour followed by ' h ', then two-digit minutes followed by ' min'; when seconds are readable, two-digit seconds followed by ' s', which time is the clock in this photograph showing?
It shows 8 h 35 min 16 s
